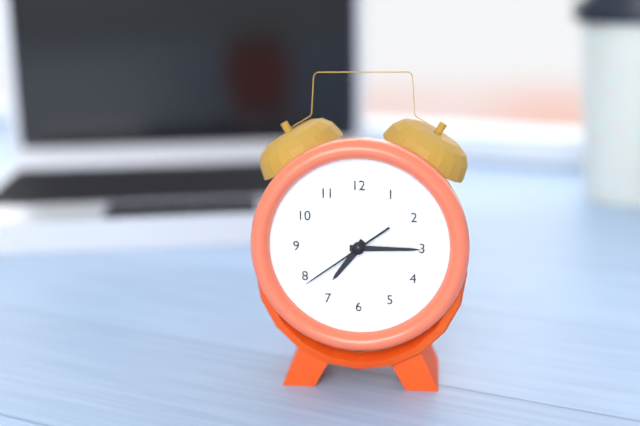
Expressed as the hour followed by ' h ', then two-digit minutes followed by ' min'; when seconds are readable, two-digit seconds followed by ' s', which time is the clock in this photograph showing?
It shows 7 h 15 min 39 s
